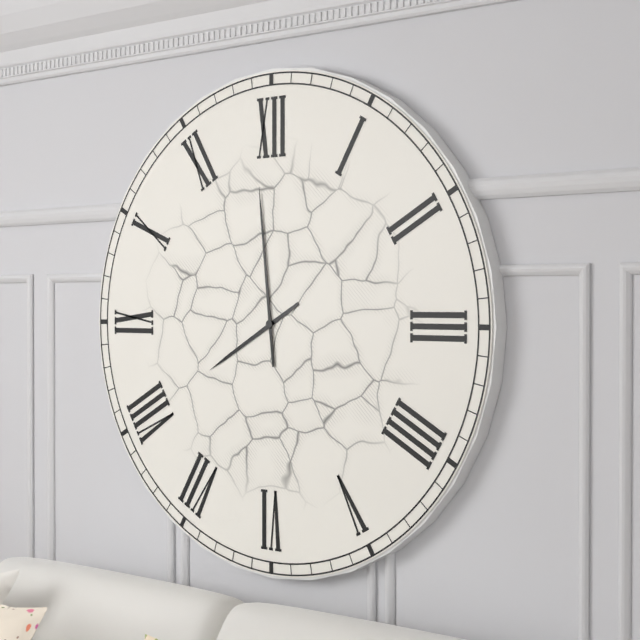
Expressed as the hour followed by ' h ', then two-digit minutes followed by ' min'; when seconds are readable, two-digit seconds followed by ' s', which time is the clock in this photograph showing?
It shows 7 h 59 min
